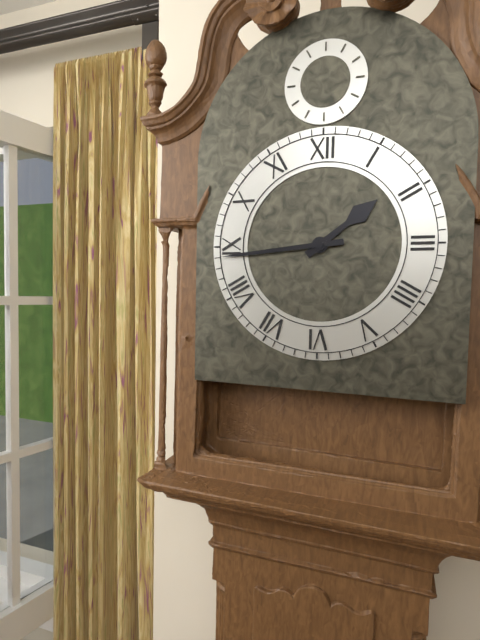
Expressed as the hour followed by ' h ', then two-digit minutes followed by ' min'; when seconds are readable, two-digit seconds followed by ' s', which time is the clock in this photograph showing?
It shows 1 h 44 min
